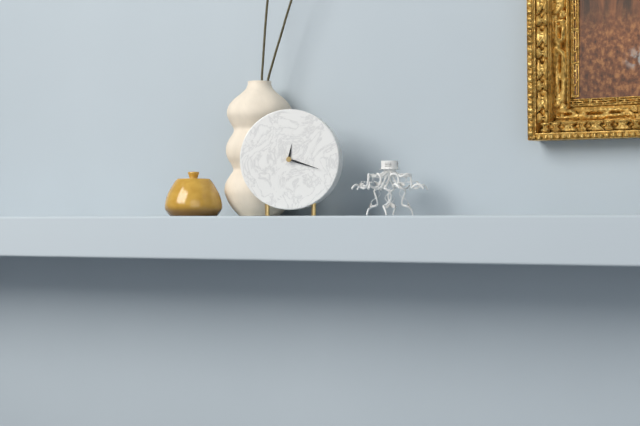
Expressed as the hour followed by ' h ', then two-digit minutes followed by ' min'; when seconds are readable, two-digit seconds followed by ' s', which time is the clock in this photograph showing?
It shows 12 h 18 min
